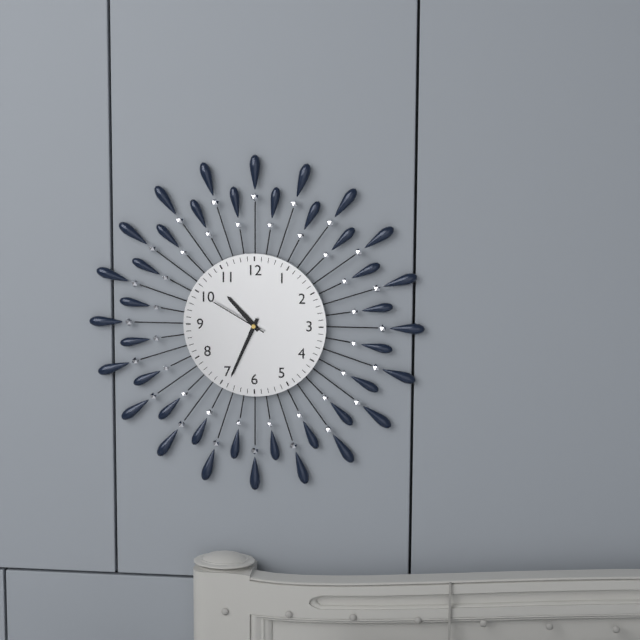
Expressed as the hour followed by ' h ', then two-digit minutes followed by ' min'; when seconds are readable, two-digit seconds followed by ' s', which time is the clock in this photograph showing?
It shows 10 h 34 min 50 s
